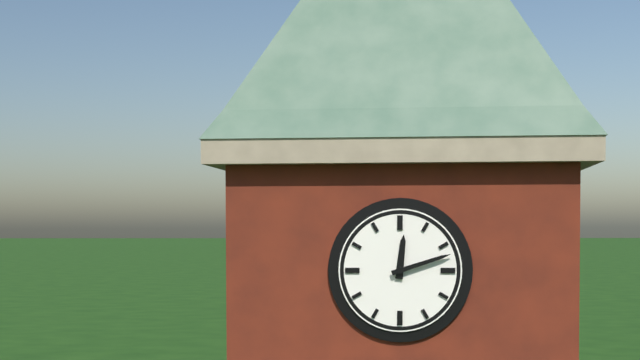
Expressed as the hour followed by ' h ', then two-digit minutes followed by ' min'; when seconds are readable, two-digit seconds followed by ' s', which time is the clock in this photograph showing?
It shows 12 h 12 min
